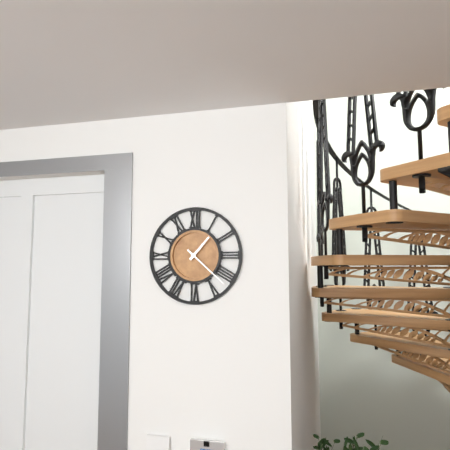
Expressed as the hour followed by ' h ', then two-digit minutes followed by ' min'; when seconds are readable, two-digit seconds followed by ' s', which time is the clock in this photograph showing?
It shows 1 h 22 min
